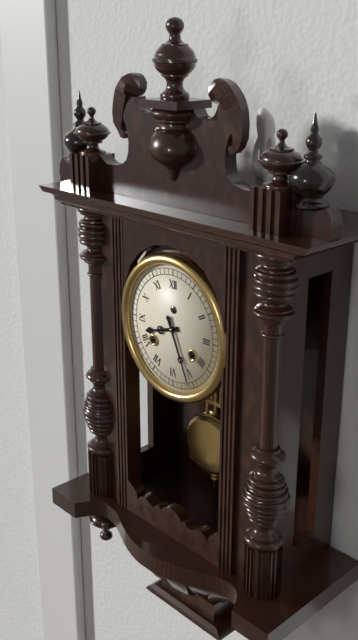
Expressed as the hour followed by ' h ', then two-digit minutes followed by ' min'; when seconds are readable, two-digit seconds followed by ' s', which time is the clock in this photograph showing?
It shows 8 h 26 min
